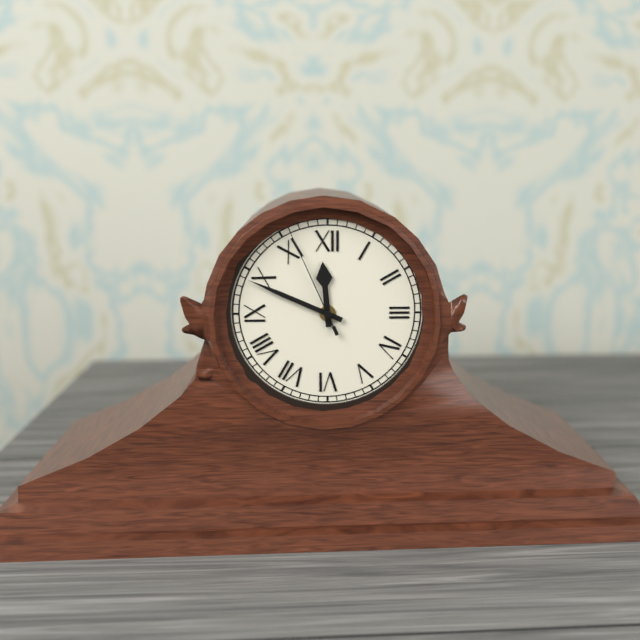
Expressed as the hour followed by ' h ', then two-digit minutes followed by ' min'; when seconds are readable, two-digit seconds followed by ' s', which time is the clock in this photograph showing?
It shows 11 h 49 min 56 s
